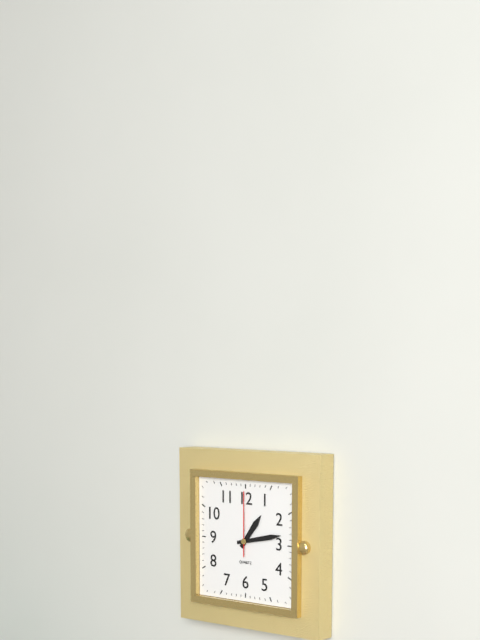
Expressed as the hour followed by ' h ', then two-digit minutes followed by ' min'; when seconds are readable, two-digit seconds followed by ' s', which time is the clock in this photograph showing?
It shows 1 h 13 min 00 s
